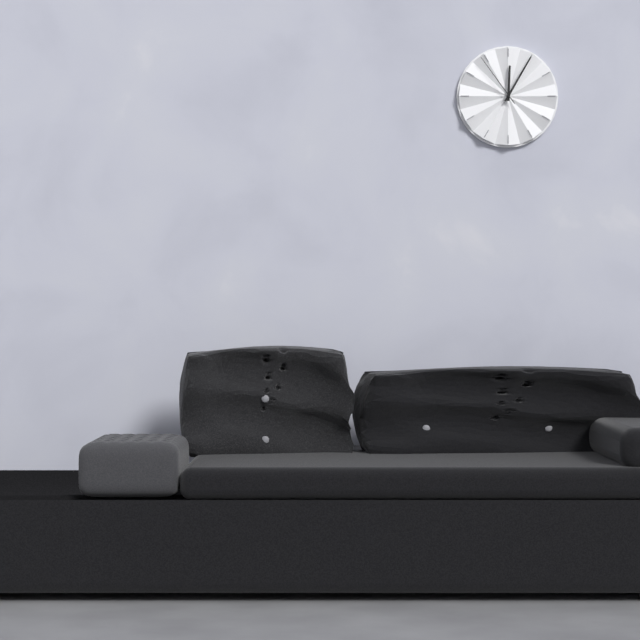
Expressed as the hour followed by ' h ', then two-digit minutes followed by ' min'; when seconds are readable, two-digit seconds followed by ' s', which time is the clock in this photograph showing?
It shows 12 h 05 min 54 s
